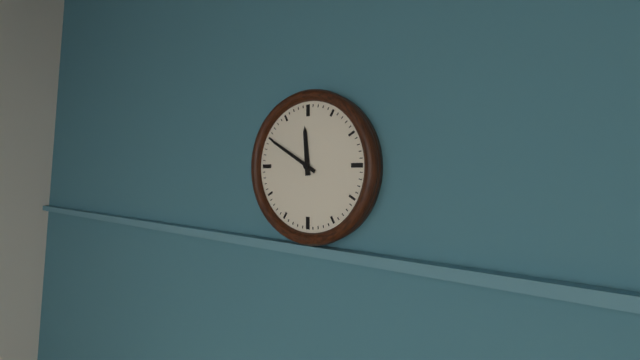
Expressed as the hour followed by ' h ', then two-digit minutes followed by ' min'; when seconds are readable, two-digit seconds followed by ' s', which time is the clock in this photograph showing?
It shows 11 h 50 min
